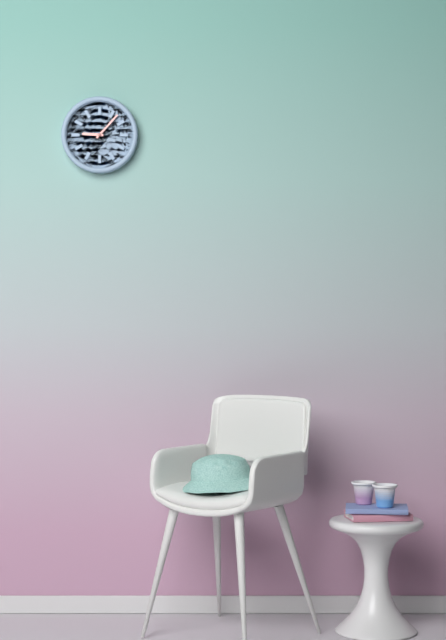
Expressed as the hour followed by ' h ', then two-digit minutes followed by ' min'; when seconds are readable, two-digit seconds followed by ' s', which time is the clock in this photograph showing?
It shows 9 h 07 min
